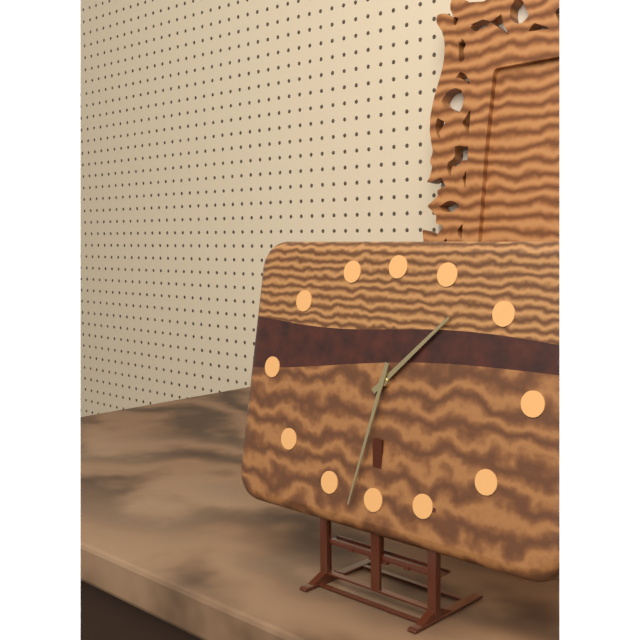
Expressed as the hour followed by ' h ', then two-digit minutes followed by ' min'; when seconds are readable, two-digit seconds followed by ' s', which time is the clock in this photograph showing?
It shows 1 h 32 min
